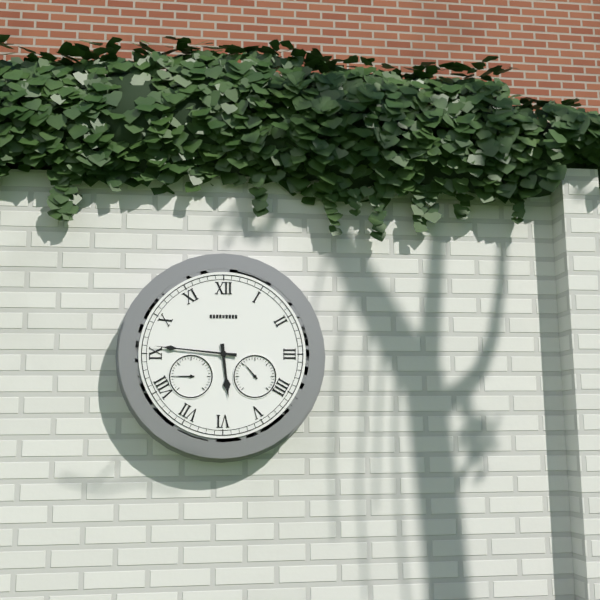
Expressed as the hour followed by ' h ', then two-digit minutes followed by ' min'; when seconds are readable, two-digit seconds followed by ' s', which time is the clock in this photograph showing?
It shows 5 h 46 min
